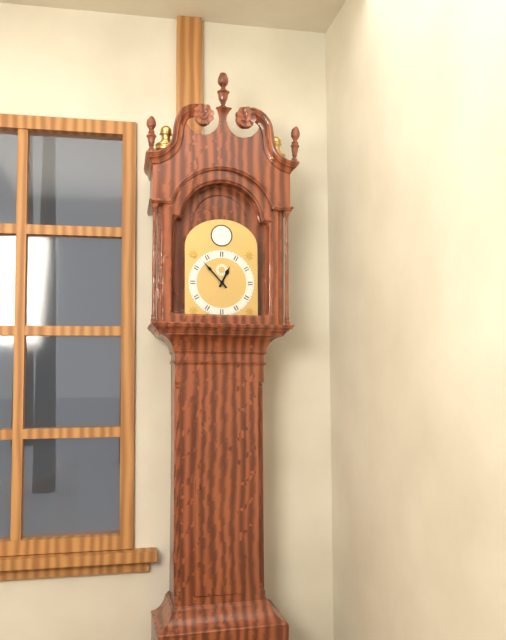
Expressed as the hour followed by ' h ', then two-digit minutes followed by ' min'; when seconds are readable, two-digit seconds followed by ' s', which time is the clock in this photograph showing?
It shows 12 h 53 min
